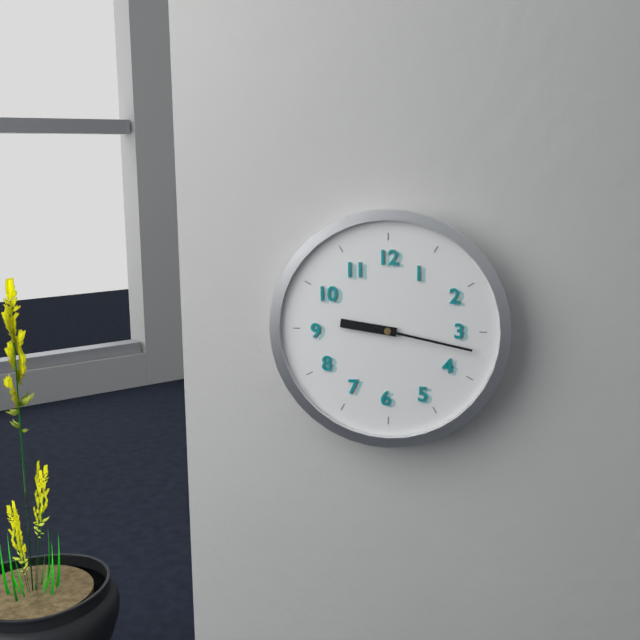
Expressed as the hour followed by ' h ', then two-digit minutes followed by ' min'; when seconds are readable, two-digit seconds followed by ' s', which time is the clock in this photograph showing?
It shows 9 h 17 min
